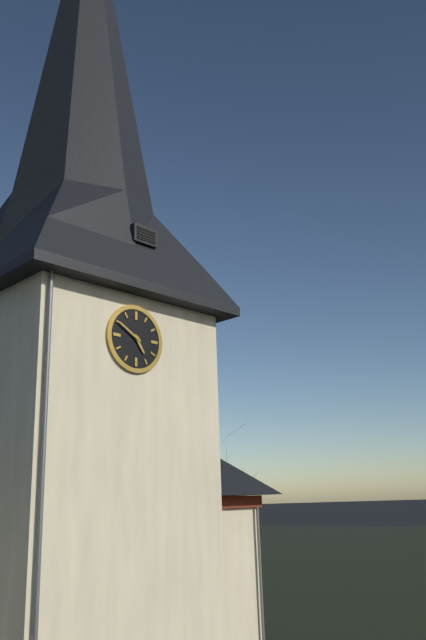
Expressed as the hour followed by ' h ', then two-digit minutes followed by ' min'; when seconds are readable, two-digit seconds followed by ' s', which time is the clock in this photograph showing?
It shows 4 h 50 min
